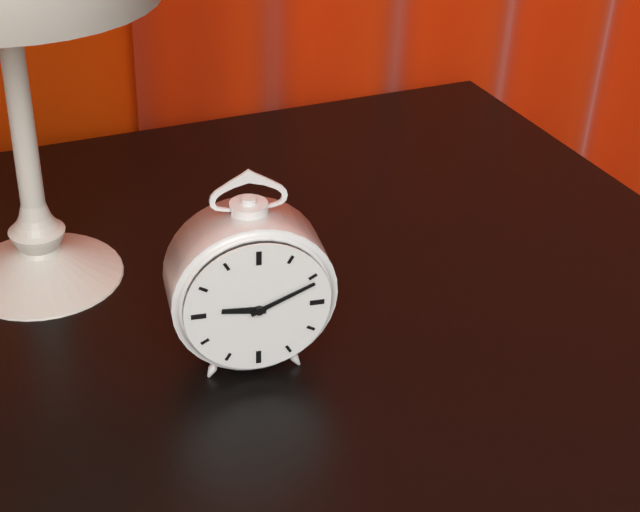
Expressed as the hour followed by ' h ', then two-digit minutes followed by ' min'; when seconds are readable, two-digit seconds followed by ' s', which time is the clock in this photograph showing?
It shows 9 h 11 min
